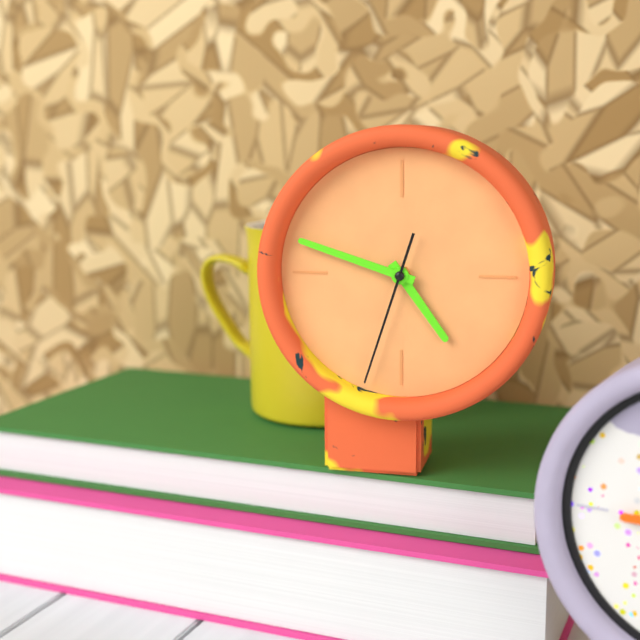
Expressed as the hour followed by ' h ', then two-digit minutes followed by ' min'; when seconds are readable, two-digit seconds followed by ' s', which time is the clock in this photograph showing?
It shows 4 h 48 min 33 s
